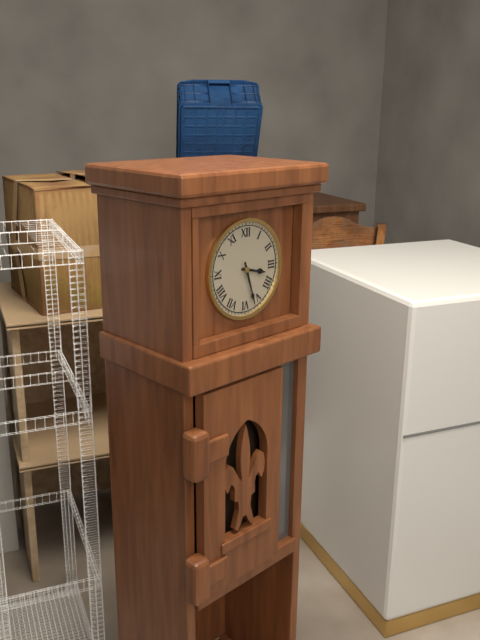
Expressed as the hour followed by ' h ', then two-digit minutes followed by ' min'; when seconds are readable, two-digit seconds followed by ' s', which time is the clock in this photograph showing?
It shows 3 h 27 min
